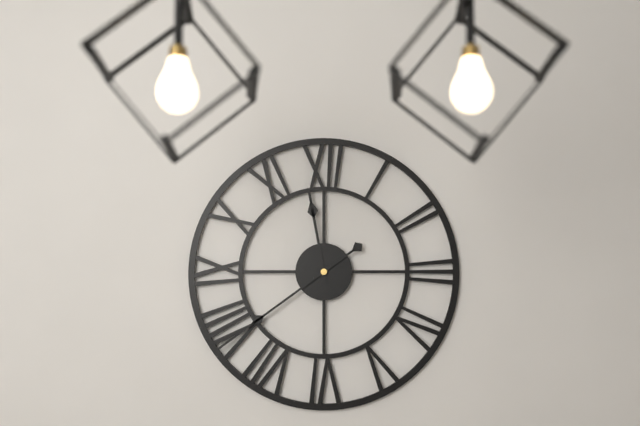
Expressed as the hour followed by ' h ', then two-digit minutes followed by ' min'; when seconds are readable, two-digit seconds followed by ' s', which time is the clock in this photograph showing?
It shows 11 h 39 min
